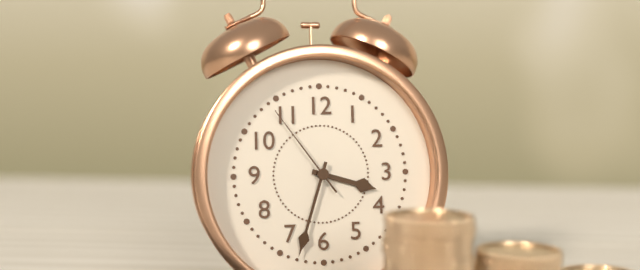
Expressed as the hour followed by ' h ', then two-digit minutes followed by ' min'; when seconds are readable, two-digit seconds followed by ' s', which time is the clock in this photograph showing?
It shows 3 h 33 min 54 s
